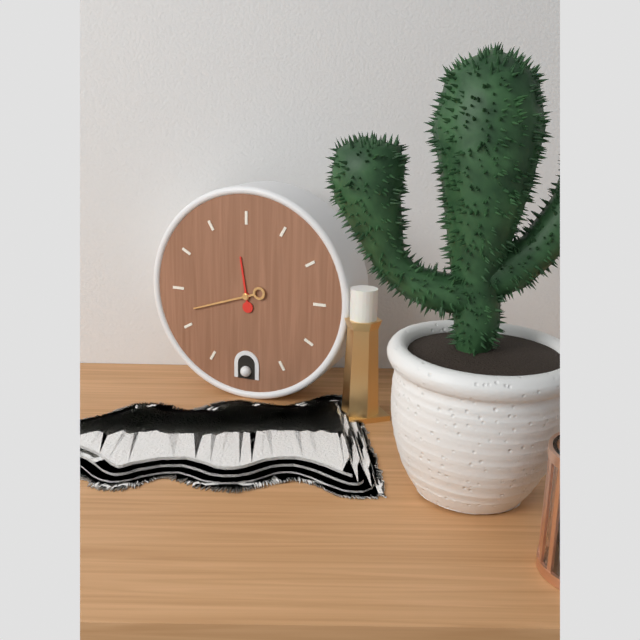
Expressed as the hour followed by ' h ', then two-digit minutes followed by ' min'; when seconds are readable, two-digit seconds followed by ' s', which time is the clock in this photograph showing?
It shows 11 h 42 min
